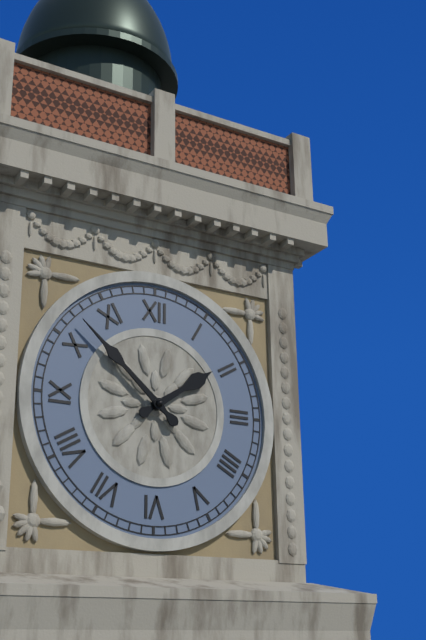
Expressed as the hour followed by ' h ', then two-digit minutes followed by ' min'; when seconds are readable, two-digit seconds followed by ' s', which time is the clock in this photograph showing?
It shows 1 h 52 min
